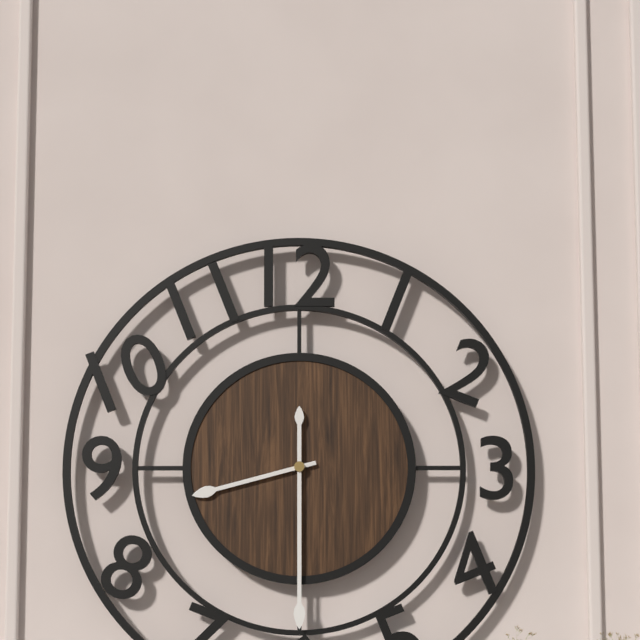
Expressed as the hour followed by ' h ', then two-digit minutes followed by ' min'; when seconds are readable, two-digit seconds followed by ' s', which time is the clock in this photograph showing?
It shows 8 h 30 min
